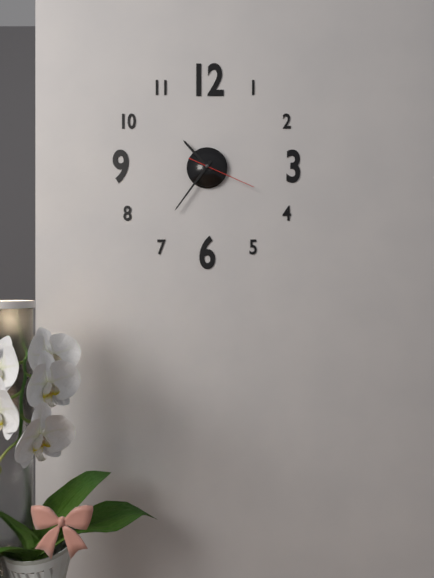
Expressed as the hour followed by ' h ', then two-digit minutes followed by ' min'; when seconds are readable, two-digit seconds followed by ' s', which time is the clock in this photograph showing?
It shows 10 h 36 min 19 s
